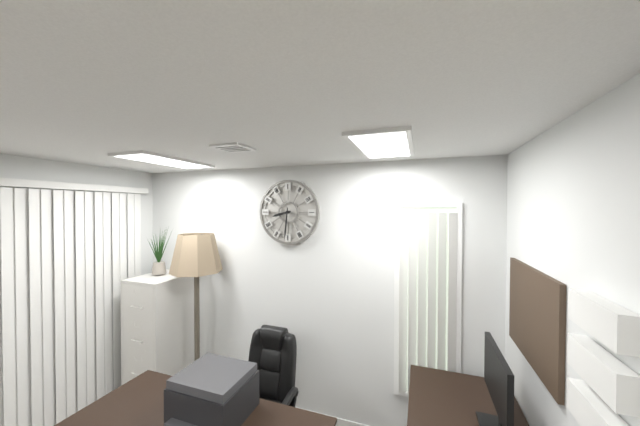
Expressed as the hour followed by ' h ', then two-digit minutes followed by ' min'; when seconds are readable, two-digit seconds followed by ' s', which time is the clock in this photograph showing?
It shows 8 h 31 min
